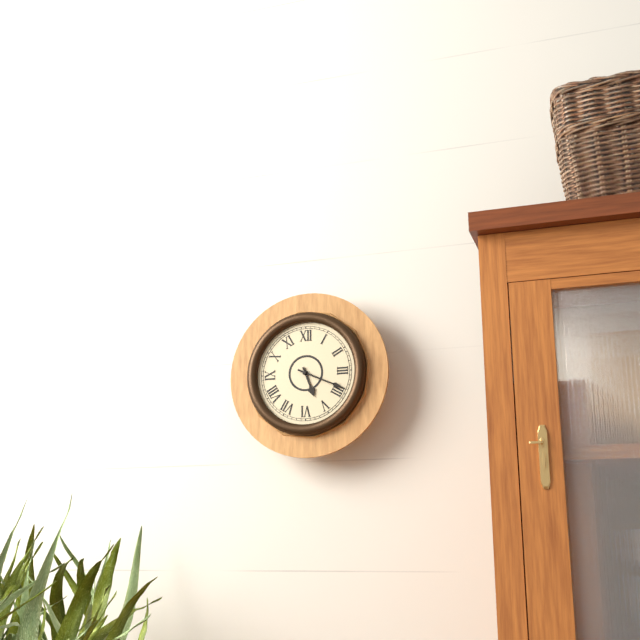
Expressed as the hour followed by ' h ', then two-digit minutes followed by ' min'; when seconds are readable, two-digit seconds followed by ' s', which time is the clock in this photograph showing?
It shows 5 h 19 min
